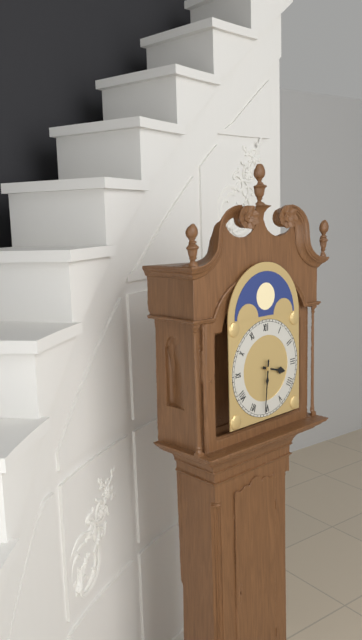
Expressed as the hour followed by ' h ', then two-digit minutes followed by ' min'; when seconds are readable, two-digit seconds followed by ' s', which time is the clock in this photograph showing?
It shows 3 h 31 min
